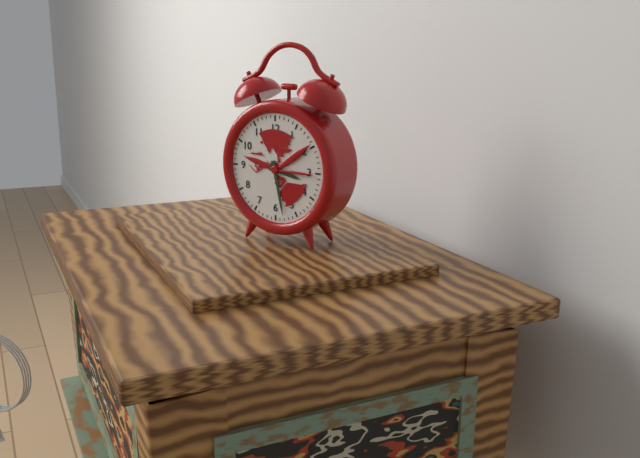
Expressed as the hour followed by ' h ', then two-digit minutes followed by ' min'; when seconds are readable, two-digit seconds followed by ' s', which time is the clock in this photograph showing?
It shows 3 h 28 min
